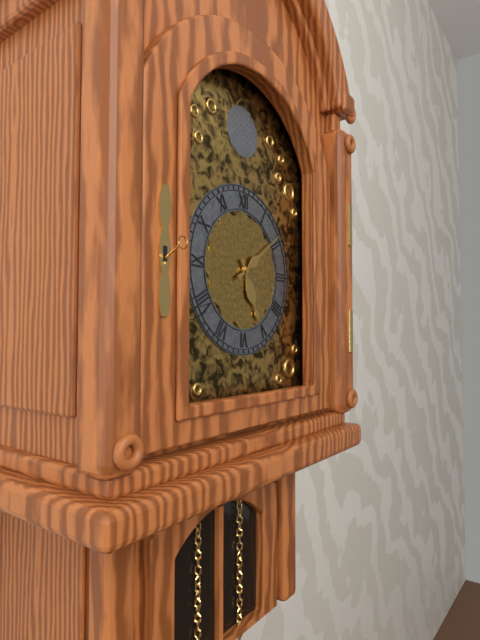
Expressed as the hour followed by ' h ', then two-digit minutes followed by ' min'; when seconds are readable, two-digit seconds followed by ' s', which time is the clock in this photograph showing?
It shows 5 h 09 min
